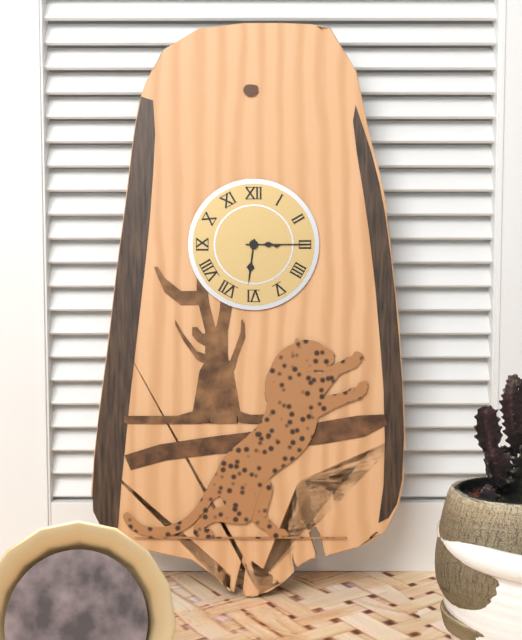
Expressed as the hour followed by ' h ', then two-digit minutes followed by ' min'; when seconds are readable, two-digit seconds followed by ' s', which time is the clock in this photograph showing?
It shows 6 h 15 min
